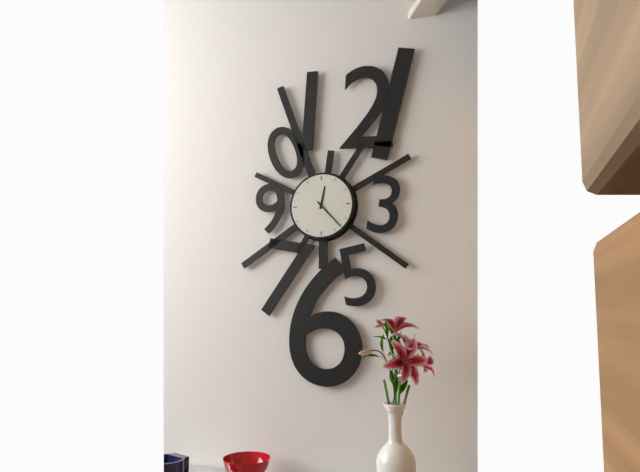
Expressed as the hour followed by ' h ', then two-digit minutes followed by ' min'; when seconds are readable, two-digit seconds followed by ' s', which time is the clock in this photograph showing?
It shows 12 h 23 min
